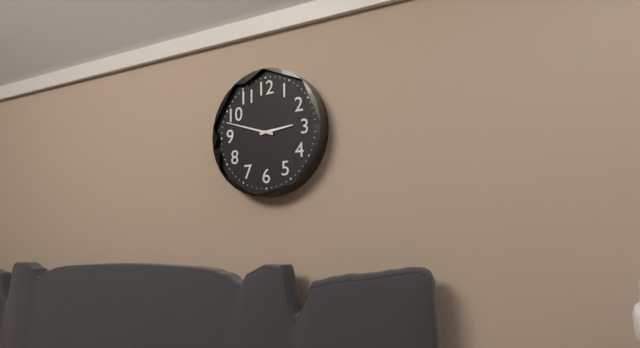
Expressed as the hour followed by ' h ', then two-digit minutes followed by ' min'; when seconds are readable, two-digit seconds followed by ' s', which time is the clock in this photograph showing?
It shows 2 h 48 min
